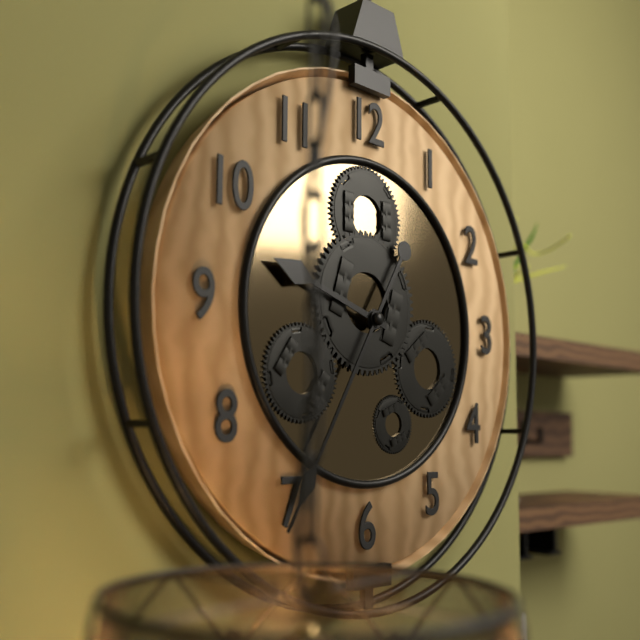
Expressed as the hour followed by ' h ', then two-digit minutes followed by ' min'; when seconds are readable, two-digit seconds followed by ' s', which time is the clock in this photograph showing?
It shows 9 h 35 min
